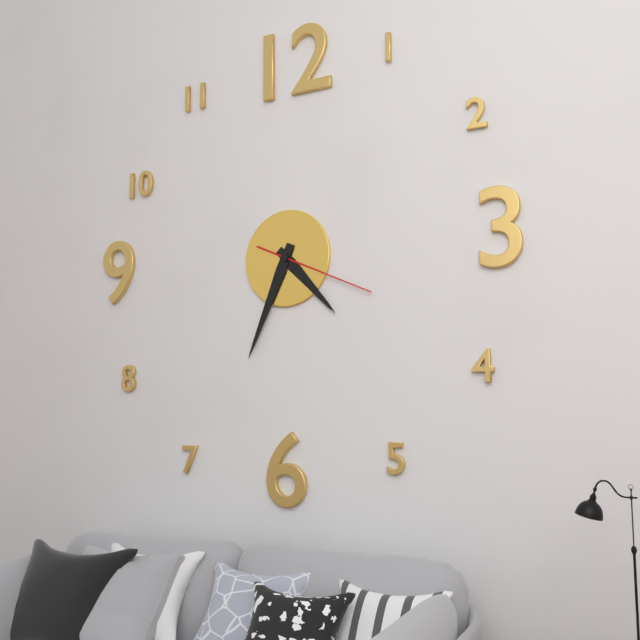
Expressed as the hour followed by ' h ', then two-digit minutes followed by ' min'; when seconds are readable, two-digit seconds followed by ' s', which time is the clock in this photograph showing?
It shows 4 h 34 min 19 s
